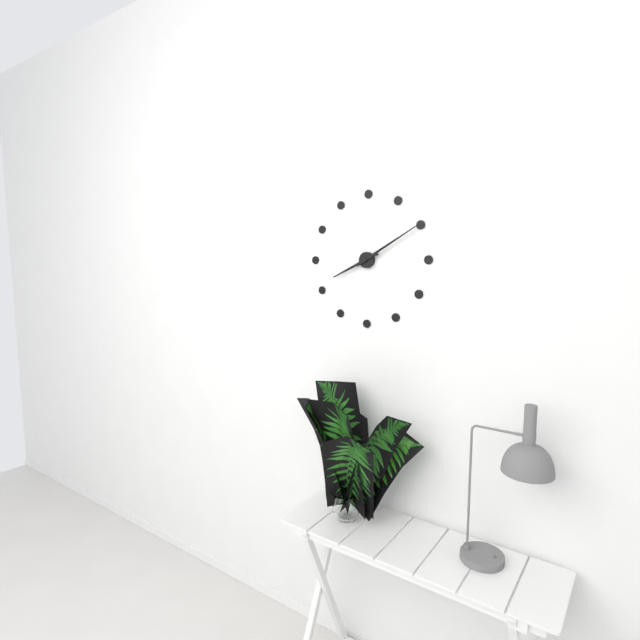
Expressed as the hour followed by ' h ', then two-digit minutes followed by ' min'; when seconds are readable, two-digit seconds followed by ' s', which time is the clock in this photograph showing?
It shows 8 h 10 min
